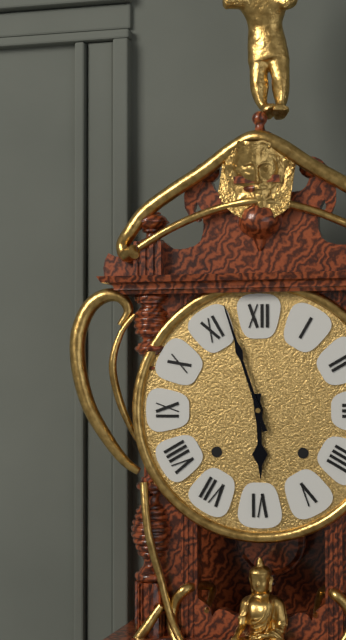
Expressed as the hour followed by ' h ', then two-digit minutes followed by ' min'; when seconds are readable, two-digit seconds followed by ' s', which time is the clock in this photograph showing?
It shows 5 h 57 min
